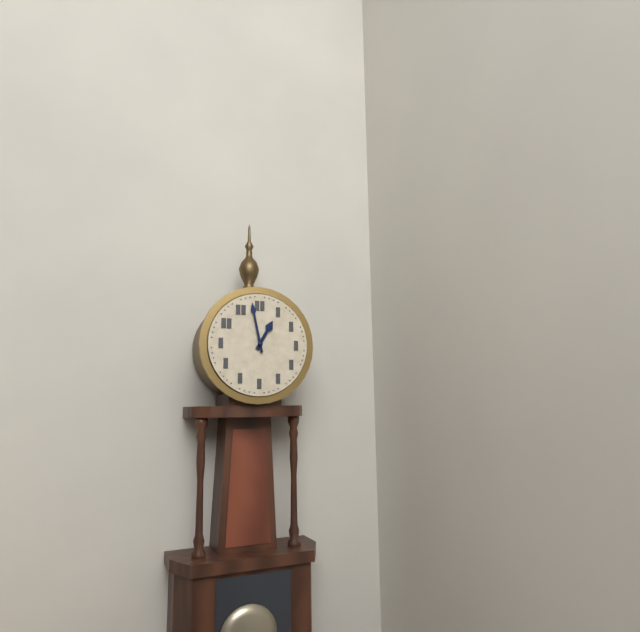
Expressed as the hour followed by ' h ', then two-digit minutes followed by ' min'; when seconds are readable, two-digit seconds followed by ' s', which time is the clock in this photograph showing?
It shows 12 h 58 min
